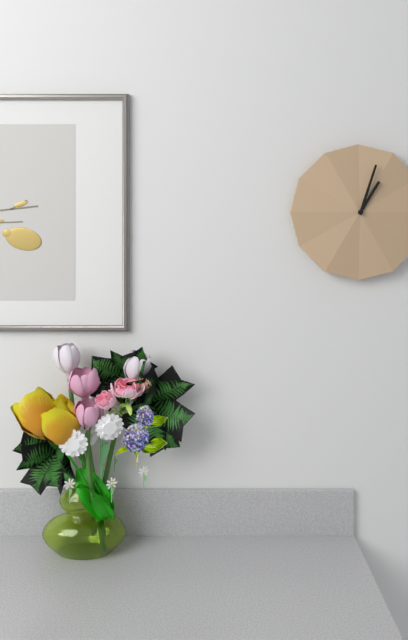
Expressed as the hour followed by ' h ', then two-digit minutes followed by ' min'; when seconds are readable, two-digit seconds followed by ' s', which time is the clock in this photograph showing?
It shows 1 h 03 min
